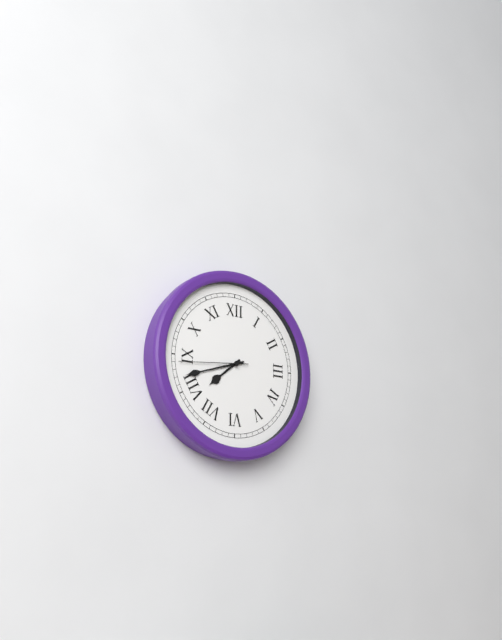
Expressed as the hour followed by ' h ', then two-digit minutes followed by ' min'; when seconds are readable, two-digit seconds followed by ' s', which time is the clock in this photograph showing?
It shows 7 h 42 min 44 s
